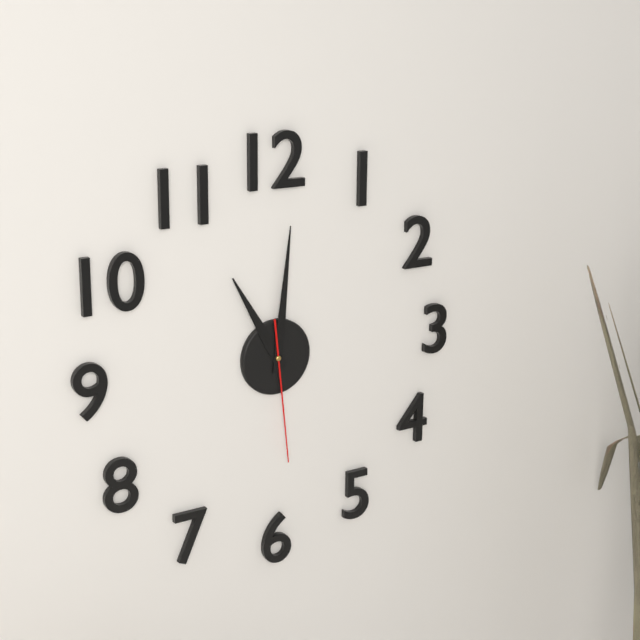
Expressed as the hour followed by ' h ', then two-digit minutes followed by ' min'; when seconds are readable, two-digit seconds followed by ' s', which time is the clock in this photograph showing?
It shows 11 h 01 min 29 s
